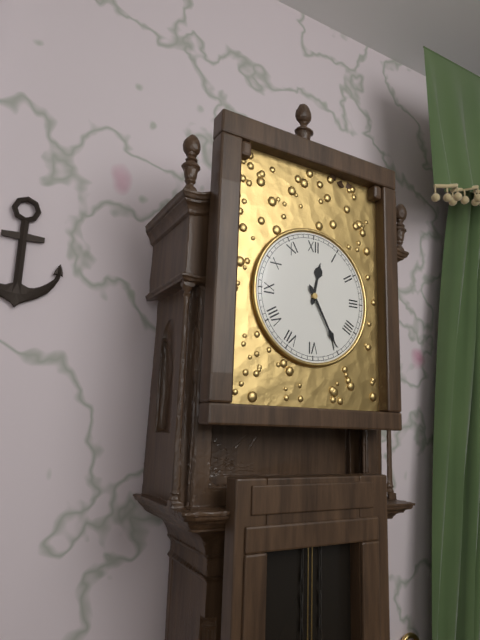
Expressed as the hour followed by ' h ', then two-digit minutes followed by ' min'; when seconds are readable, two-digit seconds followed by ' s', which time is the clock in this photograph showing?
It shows 12 h 25 min
